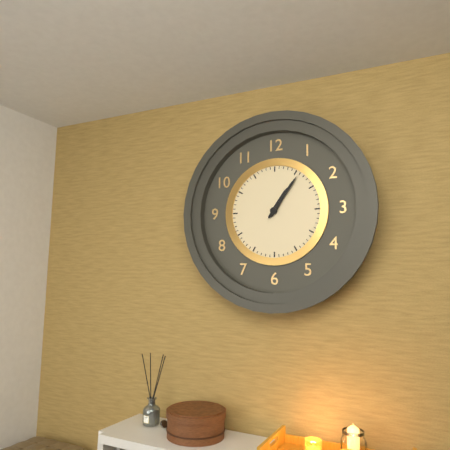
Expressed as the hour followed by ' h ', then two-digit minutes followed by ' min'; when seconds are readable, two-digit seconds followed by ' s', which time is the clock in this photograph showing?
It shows 1 h 06 min
